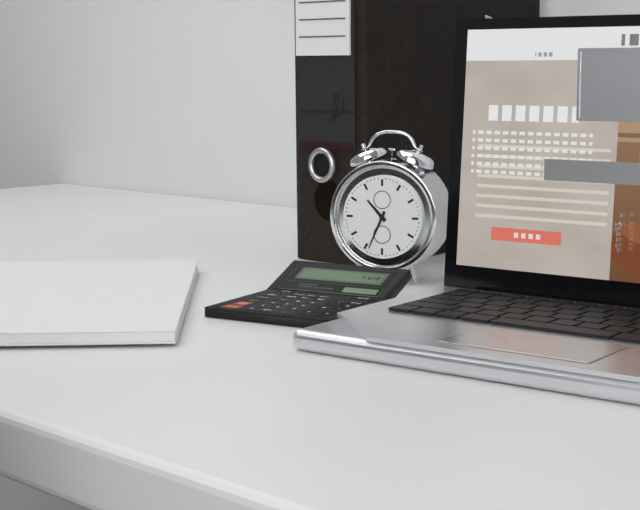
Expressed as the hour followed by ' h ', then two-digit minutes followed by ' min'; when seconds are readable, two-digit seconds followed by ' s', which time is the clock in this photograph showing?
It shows 10 h 34 min
